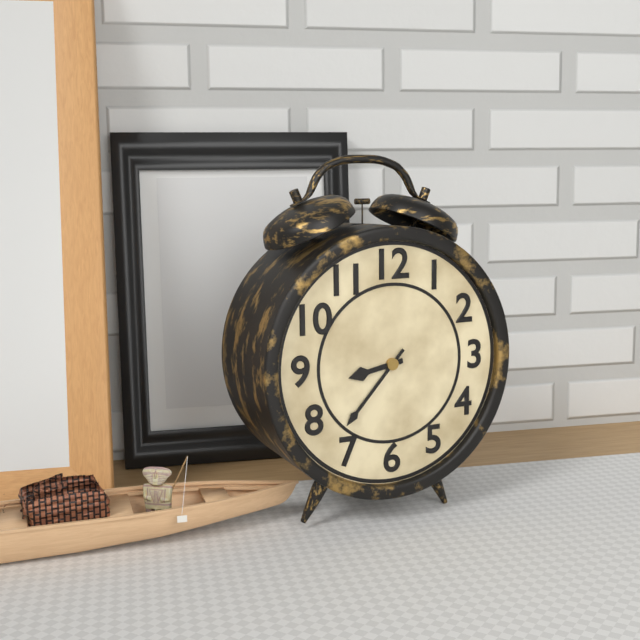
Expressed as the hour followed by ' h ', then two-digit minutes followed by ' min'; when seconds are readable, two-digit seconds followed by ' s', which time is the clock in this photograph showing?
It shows 8 h 37 min
